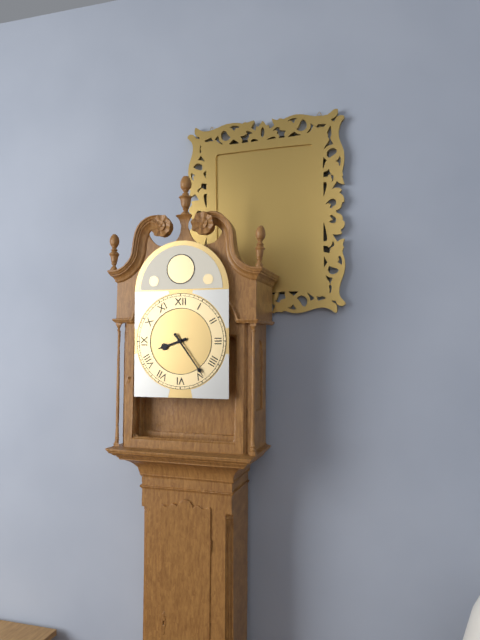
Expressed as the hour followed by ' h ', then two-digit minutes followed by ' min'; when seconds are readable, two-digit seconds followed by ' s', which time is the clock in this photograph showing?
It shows 8 h 24 min
